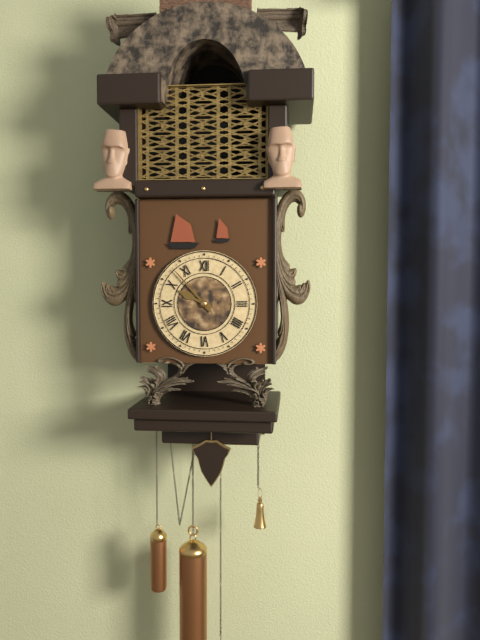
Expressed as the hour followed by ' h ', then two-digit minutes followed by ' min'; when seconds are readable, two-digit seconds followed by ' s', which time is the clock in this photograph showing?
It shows 9 h 53 min
